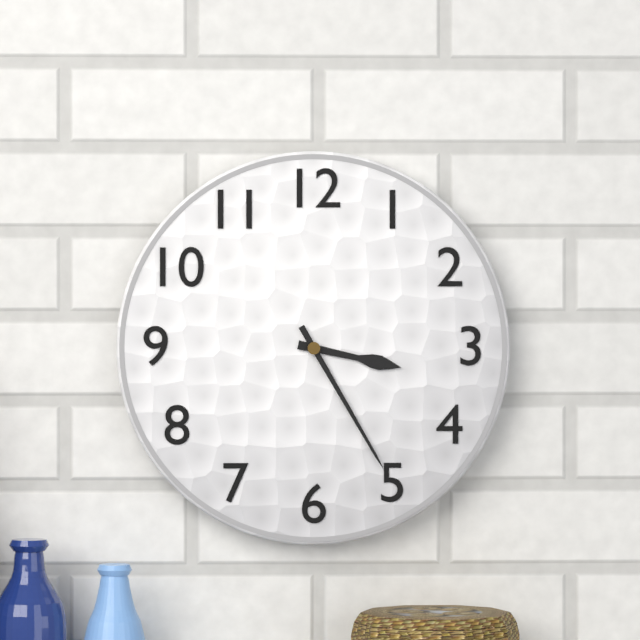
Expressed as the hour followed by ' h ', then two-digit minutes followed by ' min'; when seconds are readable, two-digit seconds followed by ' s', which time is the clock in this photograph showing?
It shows 3 h 25 min
